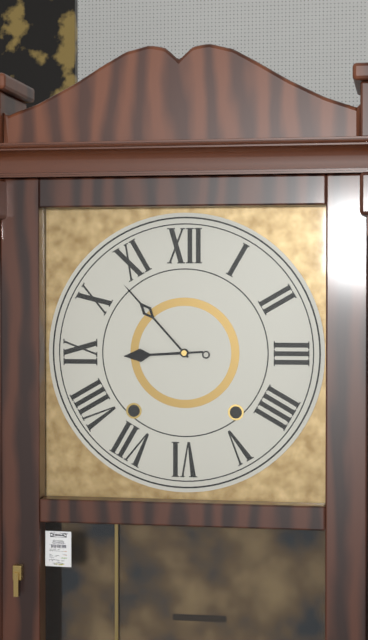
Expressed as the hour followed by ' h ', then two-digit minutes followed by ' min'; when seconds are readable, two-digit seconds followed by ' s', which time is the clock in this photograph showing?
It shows 8 h 53 min
